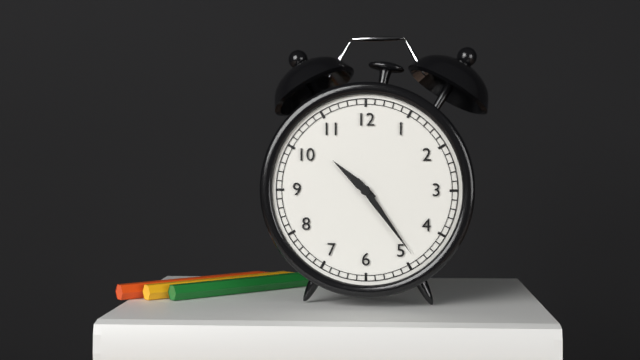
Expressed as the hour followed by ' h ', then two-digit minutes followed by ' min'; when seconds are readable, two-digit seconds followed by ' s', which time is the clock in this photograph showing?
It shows 10 h 24 min
